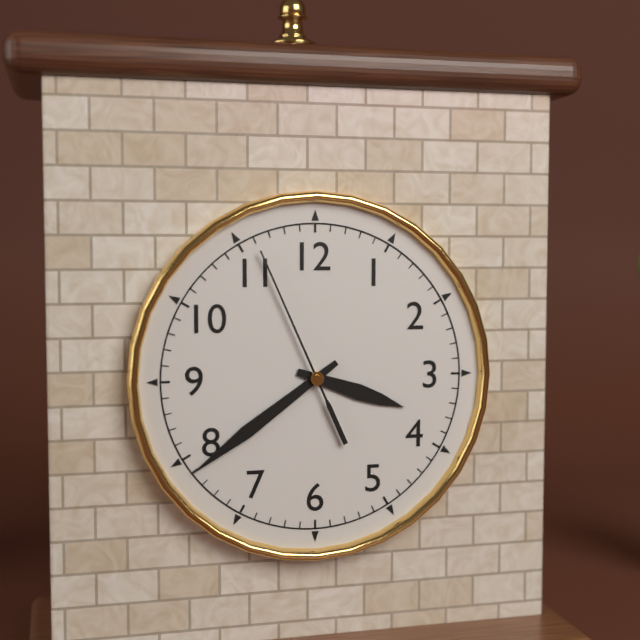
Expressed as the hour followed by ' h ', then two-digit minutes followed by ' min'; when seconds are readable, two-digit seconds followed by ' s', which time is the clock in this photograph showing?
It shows 3 h 39 min 56 s
